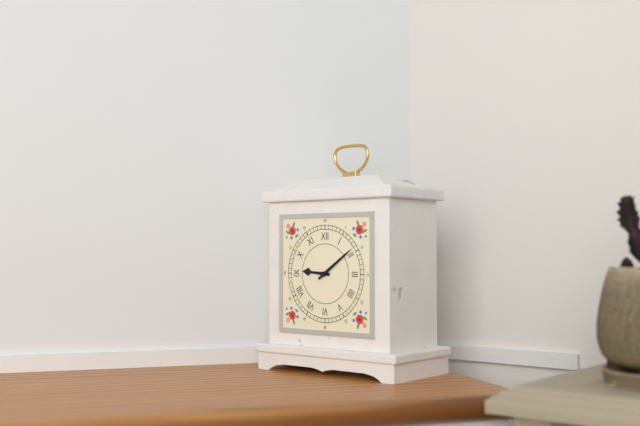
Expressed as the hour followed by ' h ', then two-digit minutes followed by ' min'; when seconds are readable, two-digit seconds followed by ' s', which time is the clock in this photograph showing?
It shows 9 h 09 min
